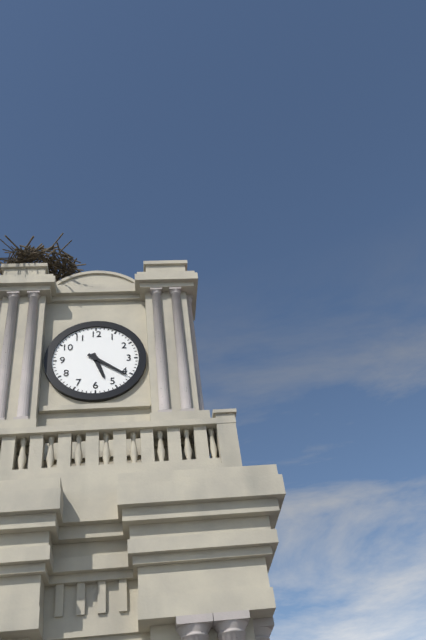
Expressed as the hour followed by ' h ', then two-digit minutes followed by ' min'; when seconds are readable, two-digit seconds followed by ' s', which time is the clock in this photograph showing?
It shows 5 h 21 min
